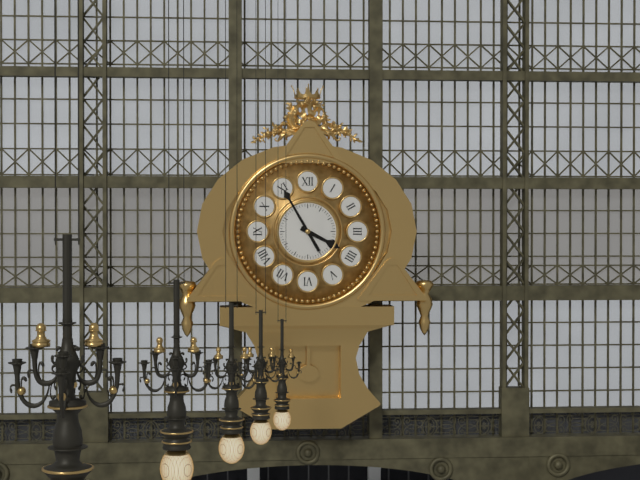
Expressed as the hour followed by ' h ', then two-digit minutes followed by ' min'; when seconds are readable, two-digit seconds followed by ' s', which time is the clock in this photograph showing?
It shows 3 h 55 min
